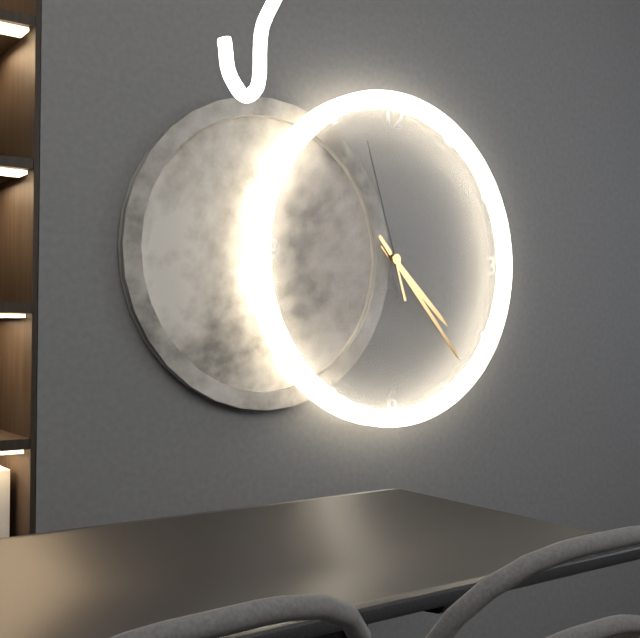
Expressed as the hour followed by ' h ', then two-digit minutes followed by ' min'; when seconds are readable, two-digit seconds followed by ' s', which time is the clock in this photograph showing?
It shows 4 h 23 min 57 s
